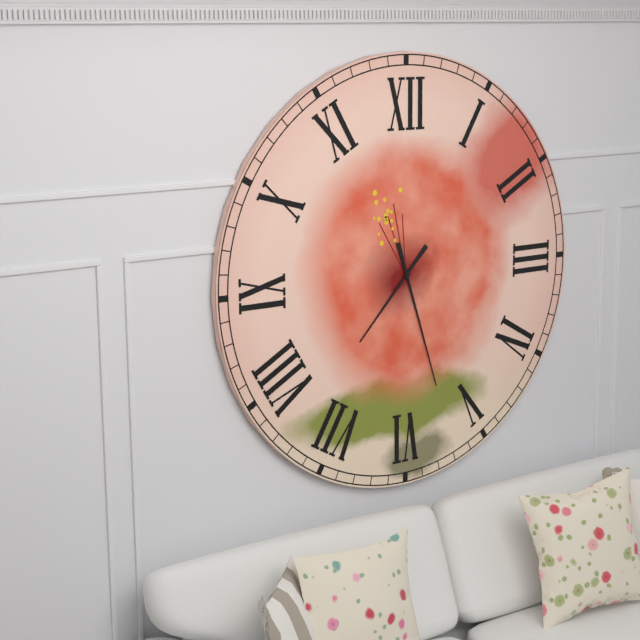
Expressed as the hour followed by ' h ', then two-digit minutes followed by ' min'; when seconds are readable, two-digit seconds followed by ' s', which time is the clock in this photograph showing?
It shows 7 h 27 min
